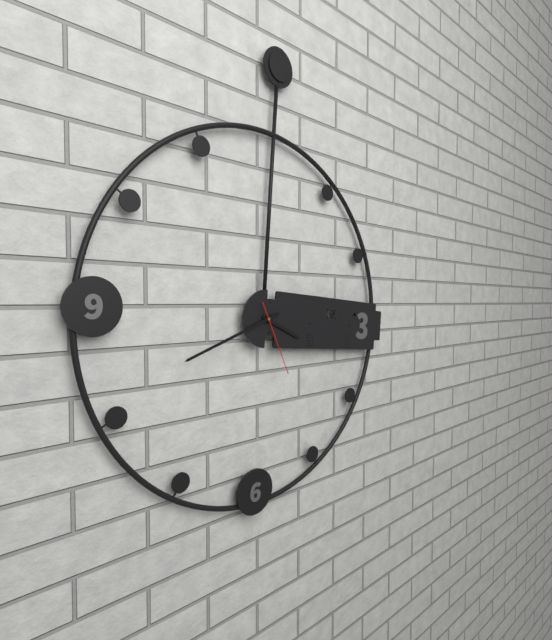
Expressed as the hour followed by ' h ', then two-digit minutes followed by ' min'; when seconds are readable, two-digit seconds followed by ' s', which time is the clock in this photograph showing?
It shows 3 h 41 min 25 s
